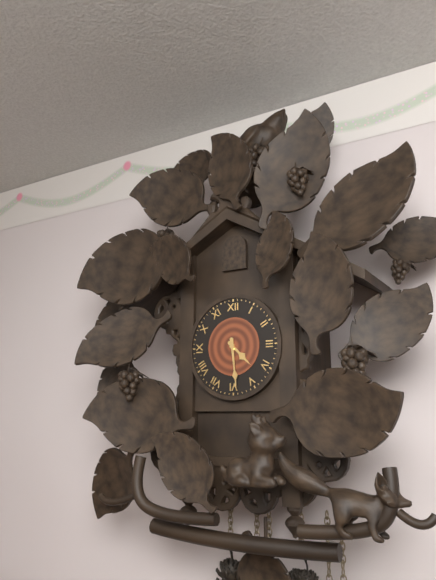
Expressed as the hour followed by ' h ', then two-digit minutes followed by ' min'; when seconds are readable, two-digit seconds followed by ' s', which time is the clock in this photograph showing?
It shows 4 h 29 min
